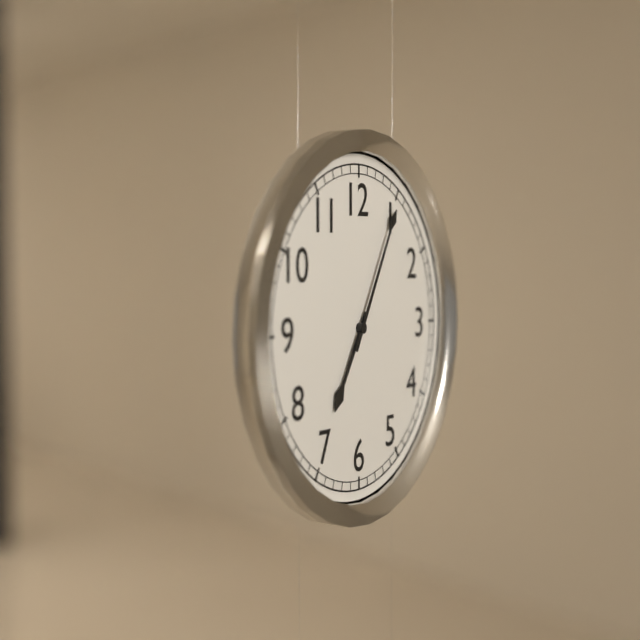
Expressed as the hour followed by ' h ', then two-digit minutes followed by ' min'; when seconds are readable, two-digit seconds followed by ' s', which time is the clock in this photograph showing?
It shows 7 h 05 min
